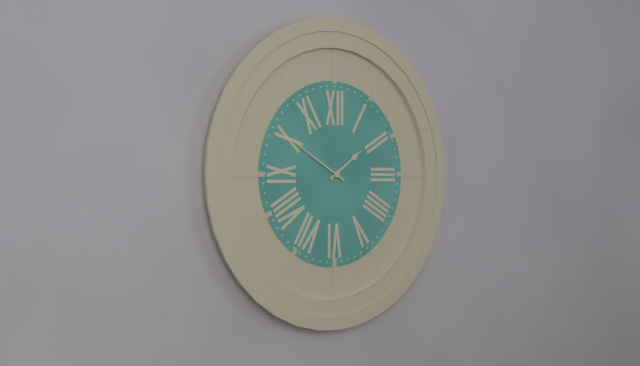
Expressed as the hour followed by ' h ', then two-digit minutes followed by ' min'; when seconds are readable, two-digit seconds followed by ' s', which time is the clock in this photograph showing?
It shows 1 h 50 min
